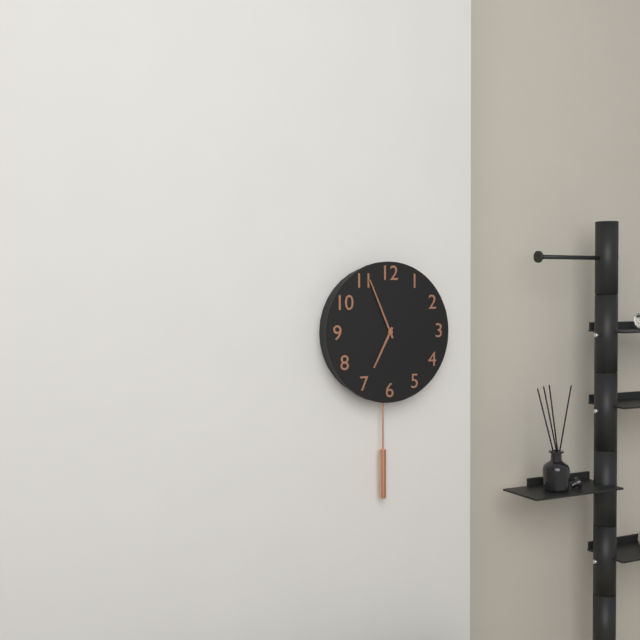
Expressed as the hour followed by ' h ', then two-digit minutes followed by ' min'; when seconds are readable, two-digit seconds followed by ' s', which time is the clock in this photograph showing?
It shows 6 h 56 min
